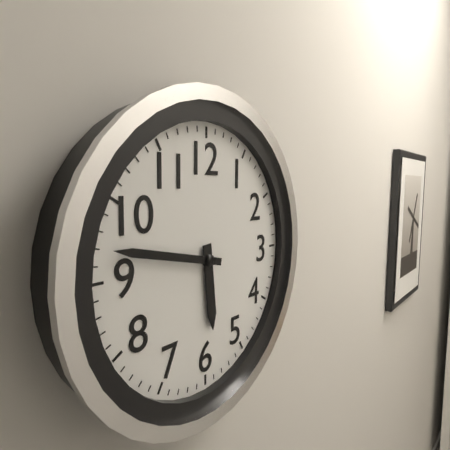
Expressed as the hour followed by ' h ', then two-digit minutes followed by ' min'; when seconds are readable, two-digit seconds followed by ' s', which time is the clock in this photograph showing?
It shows 5 h 47 min
